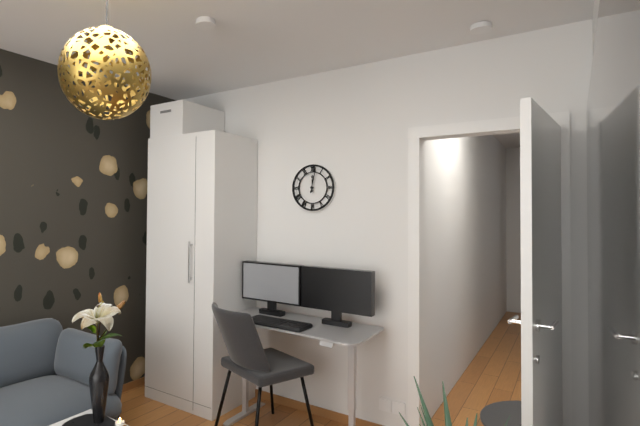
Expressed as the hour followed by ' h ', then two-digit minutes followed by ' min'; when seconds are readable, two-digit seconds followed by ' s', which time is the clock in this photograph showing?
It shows 12 h 02 min
